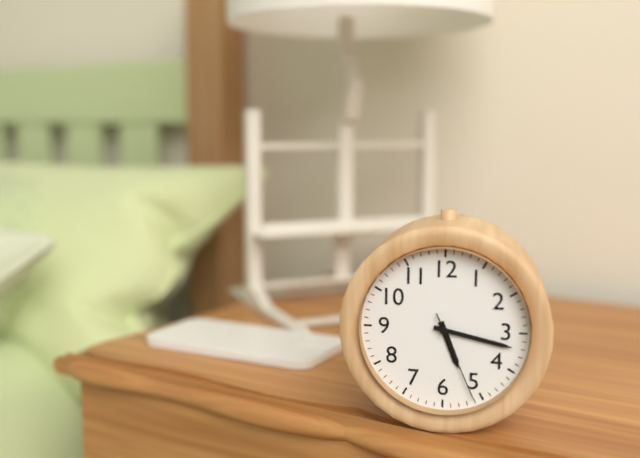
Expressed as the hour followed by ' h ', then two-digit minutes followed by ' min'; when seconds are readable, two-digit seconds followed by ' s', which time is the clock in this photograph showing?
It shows 5 h 17 min 26 s
